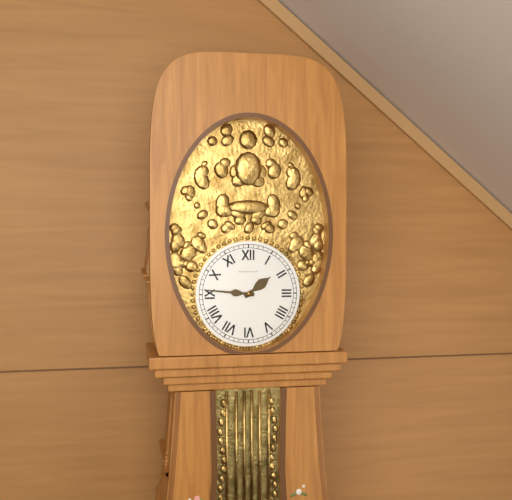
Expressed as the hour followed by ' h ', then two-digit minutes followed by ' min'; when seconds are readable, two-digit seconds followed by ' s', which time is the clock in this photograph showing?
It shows 1 h 46 min
